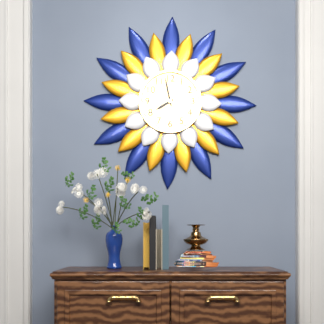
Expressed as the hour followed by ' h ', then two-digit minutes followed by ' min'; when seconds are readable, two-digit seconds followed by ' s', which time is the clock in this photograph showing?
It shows 7 h 58 min
